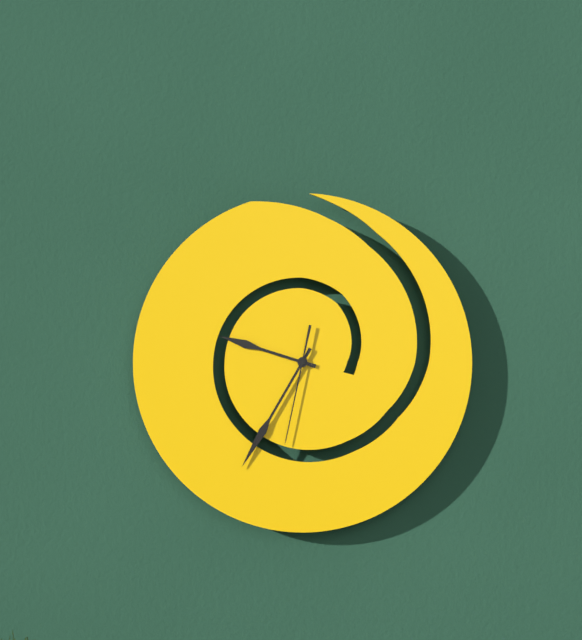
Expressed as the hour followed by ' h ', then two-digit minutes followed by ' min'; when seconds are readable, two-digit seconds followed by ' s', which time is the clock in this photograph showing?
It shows 9 h 35 min 32 s
